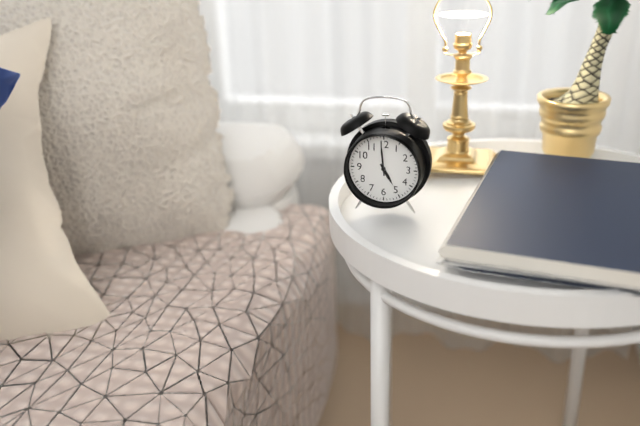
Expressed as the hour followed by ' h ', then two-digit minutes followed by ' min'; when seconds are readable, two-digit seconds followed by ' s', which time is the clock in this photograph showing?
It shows 4 h 59 min
